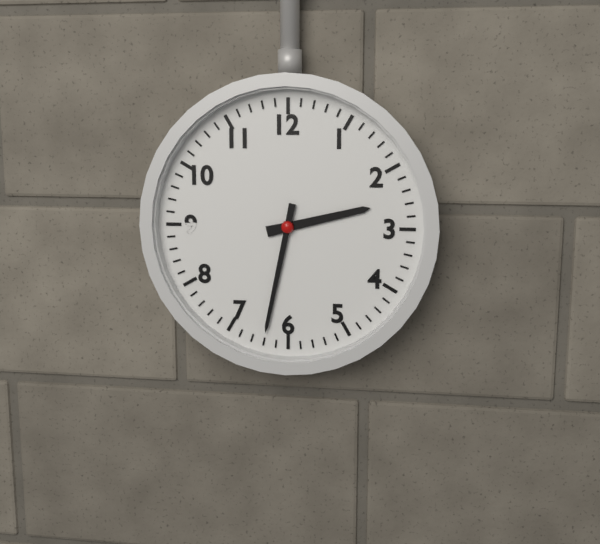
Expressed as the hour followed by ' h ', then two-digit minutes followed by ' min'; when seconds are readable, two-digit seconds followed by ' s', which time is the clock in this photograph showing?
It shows 2 h 32 min
